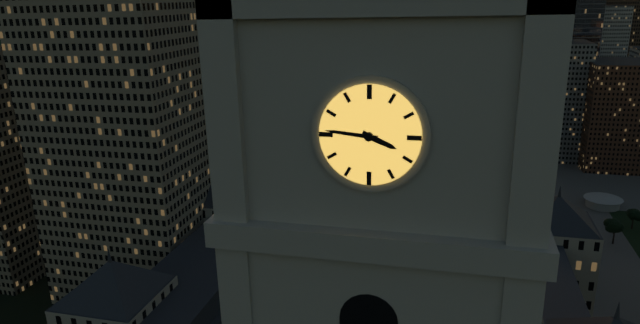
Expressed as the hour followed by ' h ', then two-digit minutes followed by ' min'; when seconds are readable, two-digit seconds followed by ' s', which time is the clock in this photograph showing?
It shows 3 h 46 min
